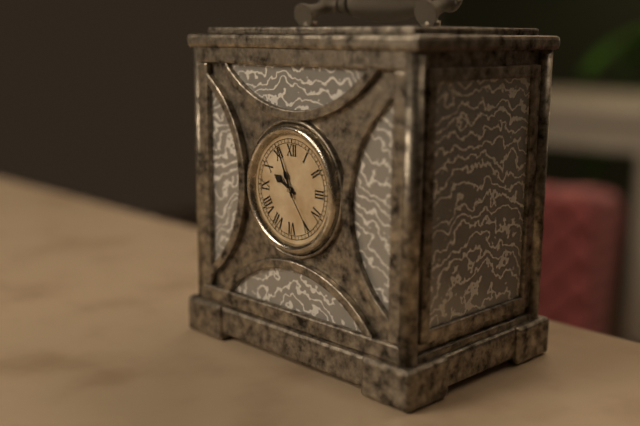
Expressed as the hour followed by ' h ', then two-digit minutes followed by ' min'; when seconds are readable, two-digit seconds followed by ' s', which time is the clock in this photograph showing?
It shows 9 h 56 min 24 s
